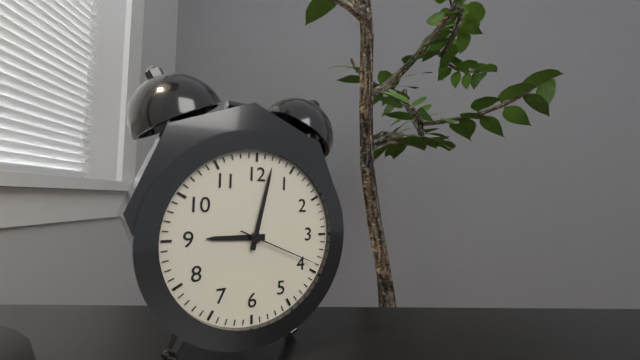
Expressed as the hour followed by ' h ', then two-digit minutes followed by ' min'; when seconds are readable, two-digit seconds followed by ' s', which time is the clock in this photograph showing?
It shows 9 h 02 min 19 s
